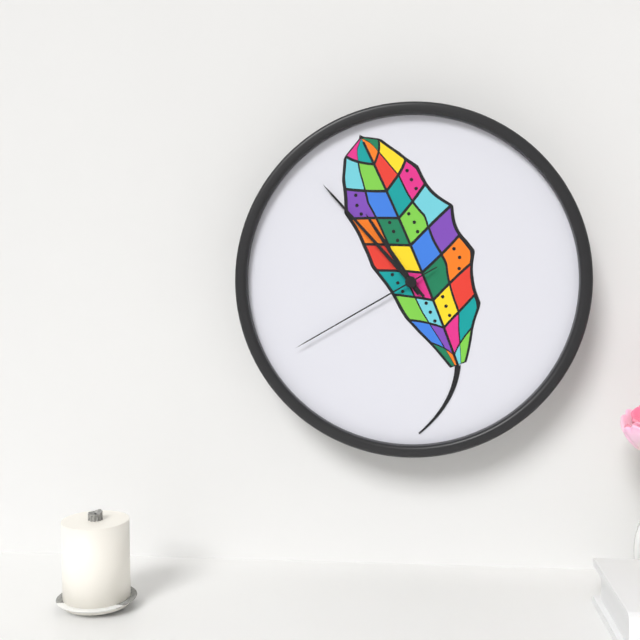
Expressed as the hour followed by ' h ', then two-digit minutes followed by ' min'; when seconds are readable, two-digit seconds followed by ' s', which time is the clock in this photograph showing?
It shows 10 h 53 min 40 s
